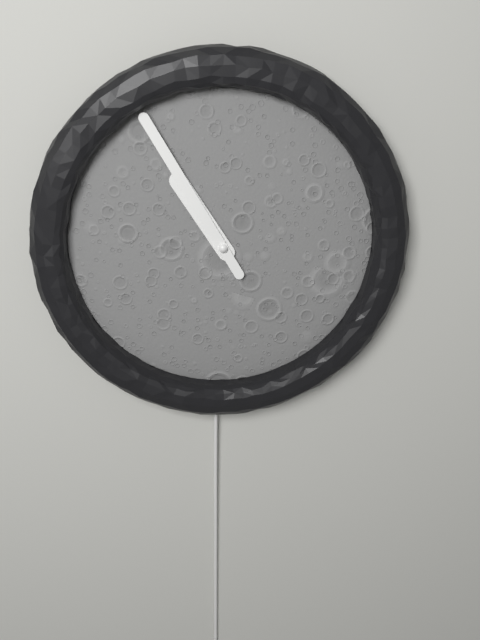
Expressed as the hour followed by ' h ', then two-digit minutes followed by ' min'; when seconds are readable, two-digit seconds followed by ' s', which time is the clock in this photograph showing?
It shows 10 h 55 min
